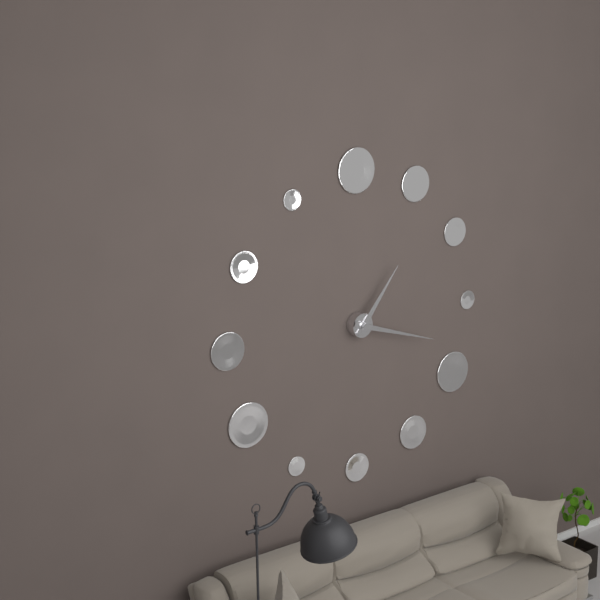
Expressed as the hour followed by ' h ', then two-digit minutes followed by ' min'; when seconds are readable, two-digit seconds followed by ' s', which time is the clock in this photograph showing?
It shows 1 h 18 min
